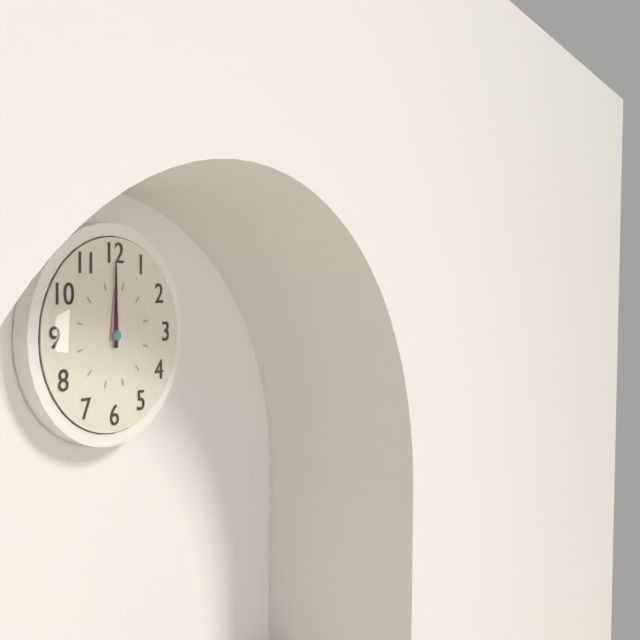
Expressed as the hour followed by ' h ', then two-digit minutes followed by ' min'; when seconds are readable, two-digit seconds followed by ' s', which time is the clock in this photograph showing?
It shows 12 h 00 min
